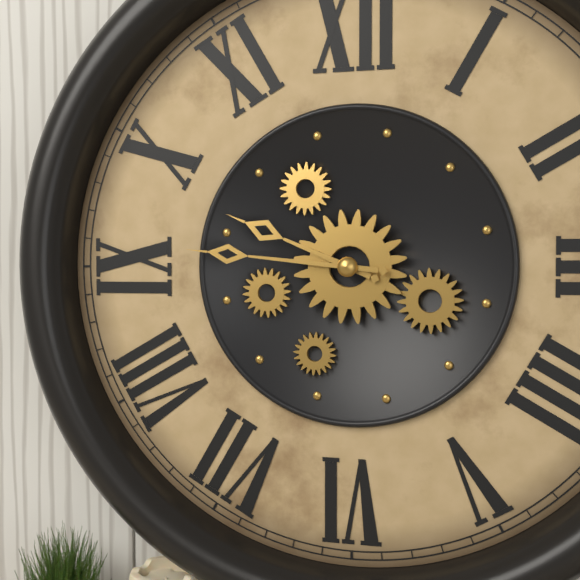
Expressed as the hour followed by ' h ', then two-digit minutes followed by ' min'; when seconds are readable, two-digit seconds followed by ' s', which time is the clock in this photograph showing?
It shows 9 h 46 min
